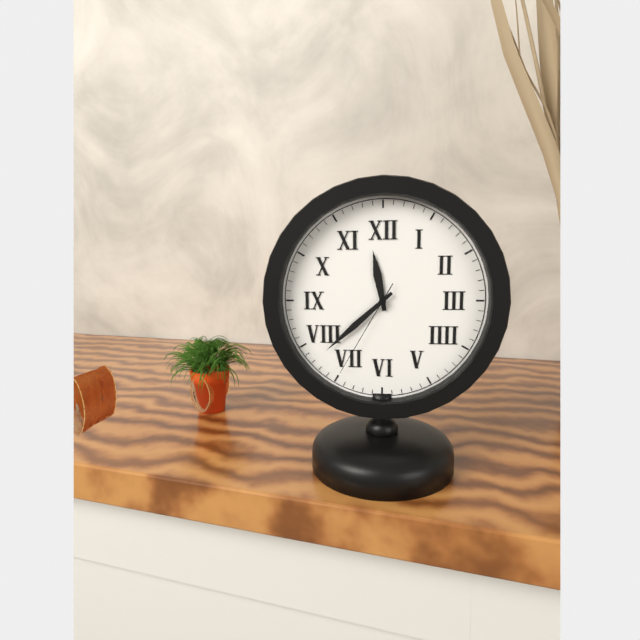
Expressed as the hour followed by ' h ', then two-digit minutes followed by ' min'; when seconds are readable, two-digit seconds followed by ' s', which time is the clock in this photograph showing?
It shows 11 h 38 min 35 s
